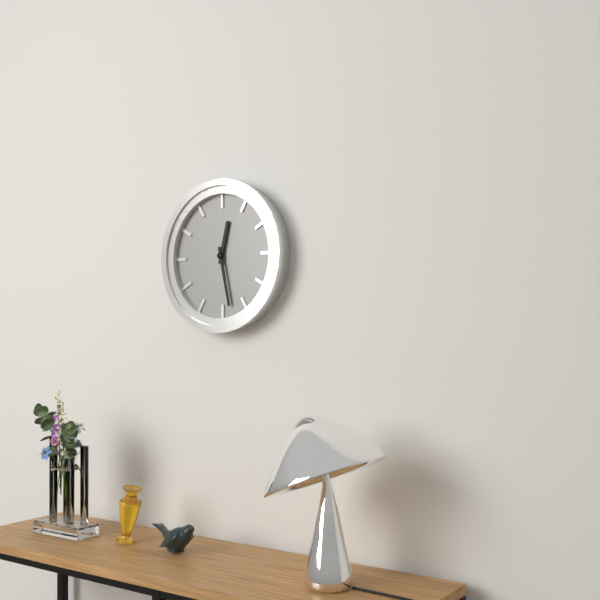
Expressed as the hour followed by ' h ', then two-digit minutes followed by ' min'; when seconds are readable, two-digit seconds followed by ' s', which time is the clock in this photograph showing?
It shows 12 h 28 min
